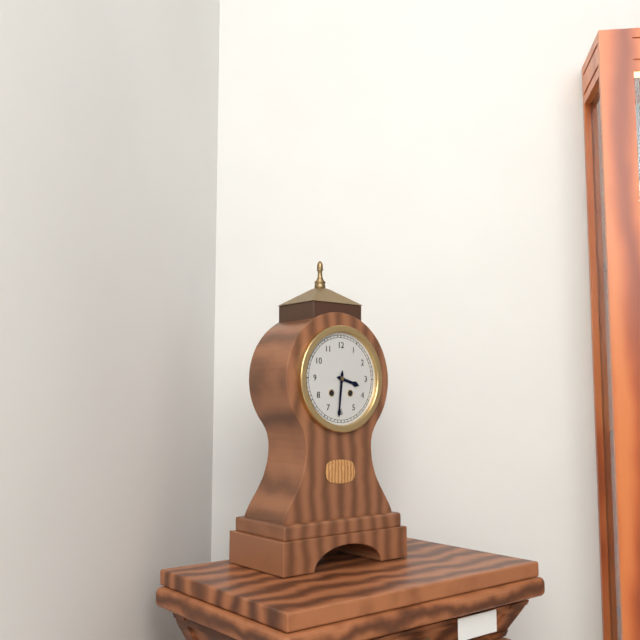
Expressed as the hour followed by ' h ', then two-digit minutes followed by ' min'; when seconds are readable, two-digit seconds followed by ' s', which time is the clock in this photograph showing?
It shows 3 h 31 min
